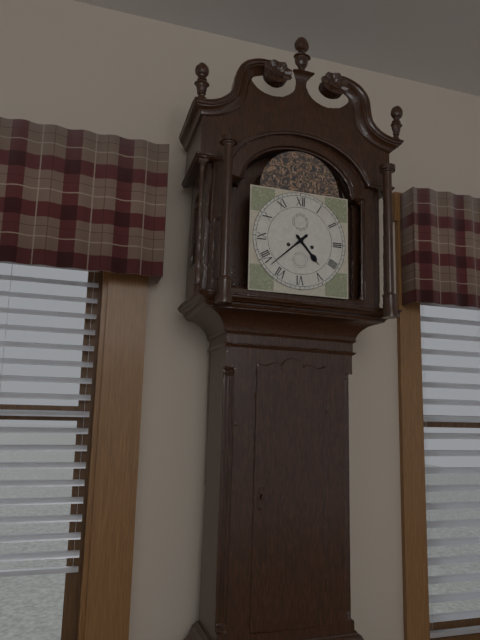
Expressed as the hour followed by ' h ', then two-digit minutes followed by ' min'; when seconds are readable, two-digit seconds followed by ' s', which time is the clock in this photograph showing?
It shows 4 h 38 min
